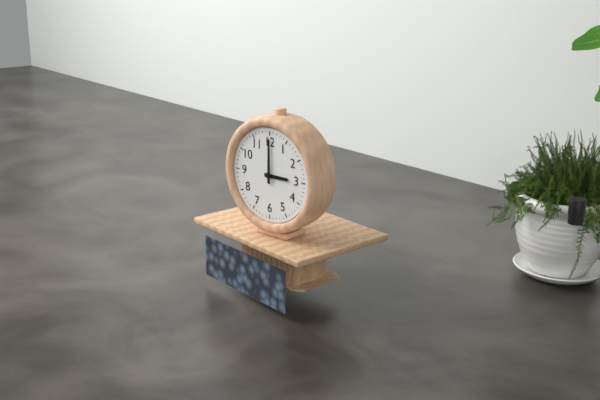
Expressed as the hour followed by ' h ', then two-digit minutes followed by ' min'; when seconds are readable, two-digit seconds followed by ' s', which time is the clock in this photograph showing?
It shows 3 h 00 min
